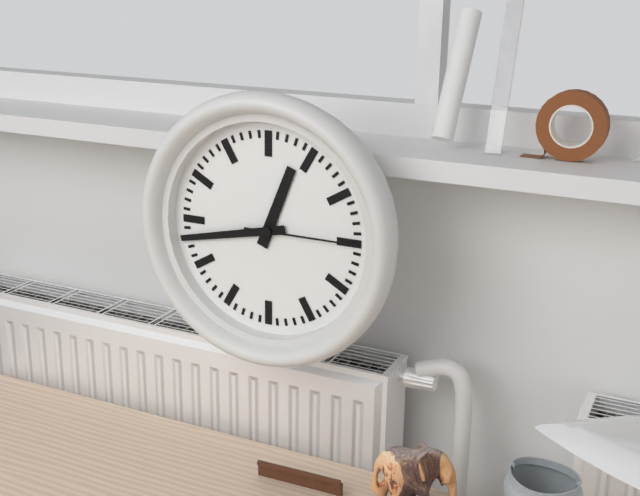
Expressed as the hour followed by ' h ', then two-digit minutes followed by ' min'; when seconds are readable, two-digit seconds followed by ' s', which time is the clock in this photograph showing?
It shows 12 h 43 min 15 s
